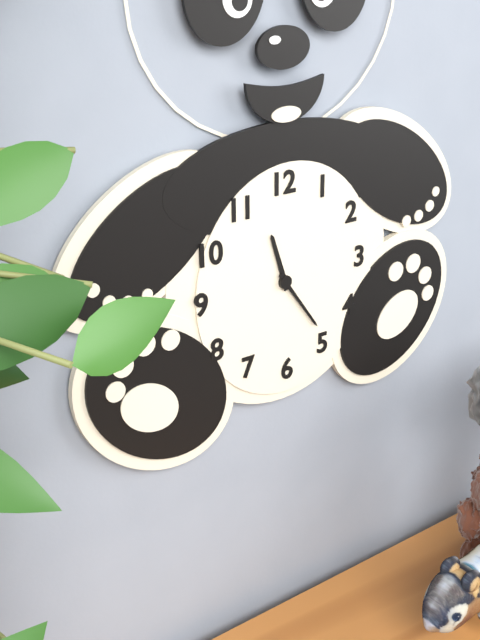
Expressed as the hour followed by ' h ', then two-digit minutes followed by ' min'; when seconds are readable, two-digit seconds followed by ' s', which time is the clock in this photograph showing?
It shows 11 h 24 min
